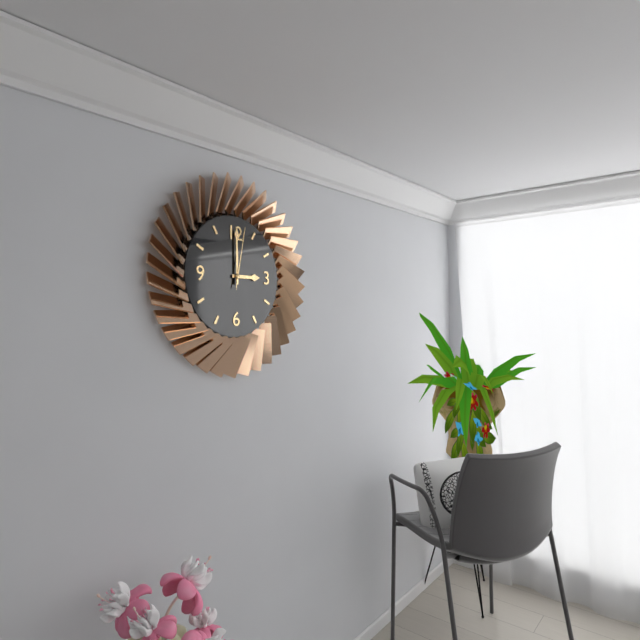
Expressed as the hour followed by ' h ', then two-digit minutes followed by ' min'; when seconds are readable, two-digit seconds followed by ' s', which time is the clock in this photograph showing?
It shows 3 h 00 min 02 s
